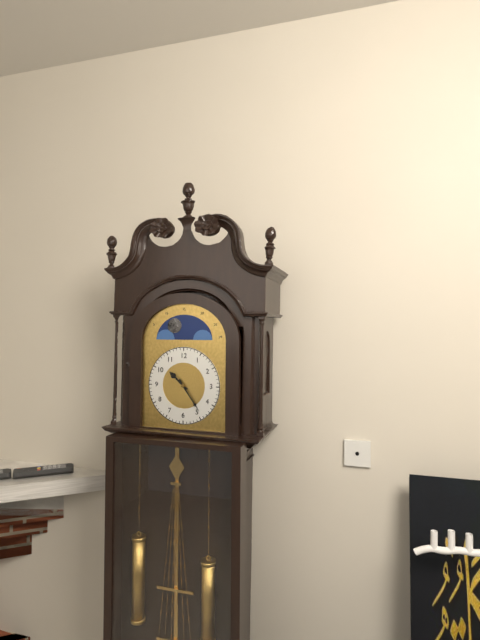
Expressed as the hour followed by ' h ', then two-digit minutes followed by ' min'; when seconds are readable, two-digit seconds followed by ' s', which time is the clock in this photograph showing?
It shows 10 h 24 min
